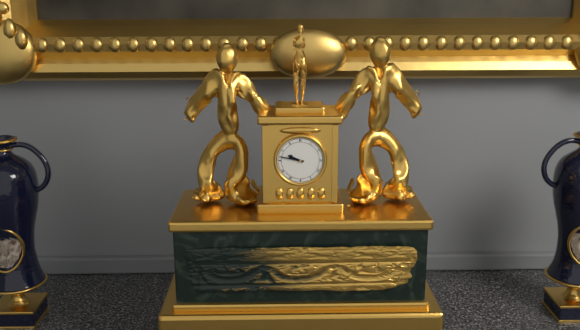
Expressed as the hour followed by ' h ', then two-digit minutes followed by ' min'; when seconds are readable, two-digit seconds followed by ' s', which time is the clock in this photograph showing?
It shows 9 h 47 min
